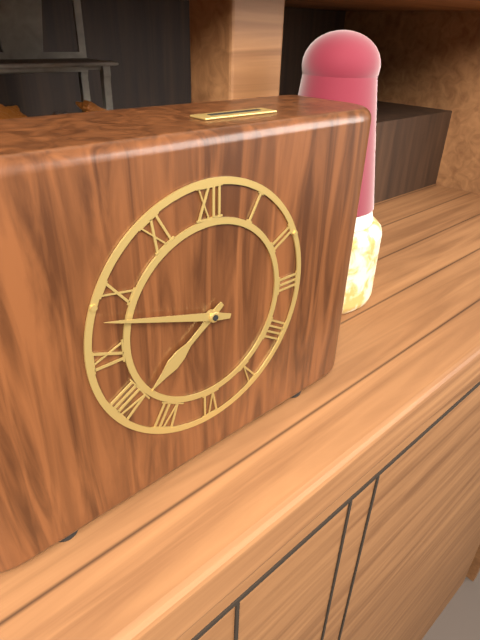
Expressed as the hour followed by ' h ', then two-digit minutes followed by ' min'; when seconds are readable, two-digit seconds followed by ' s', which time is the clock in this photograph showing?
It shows 7 h 48 min
